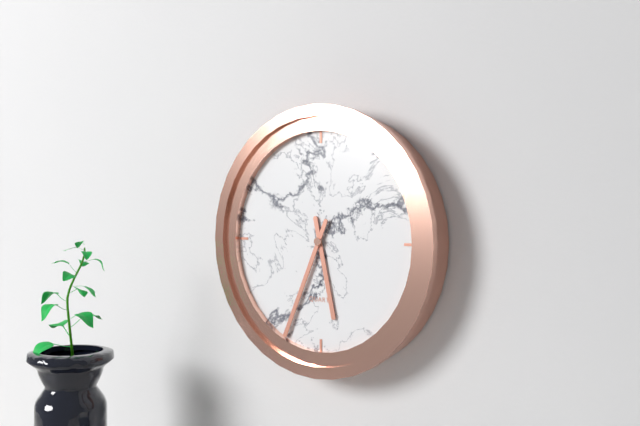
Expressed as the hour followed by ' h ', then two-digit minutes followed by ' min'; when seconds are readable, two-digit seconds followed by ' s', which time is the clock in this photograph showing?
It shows 5 h 34 min
